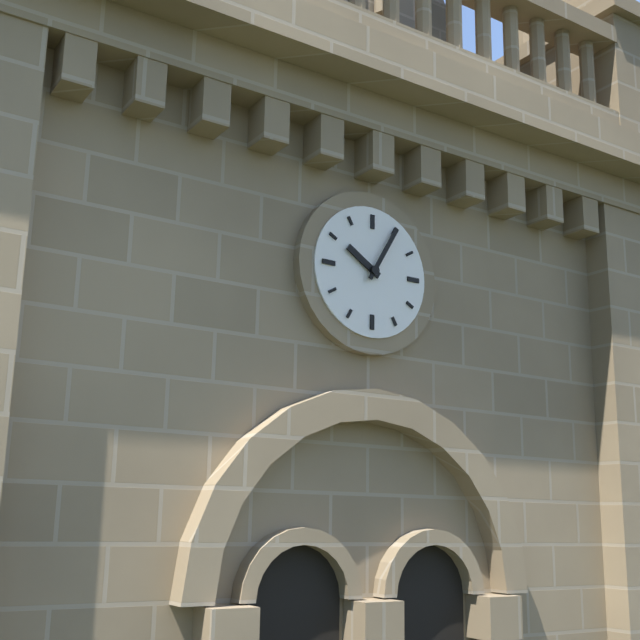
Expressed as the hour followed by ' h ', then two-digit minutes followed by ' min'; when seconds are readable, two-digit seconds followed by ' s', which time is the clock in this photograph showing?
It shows 10 h 05 min
